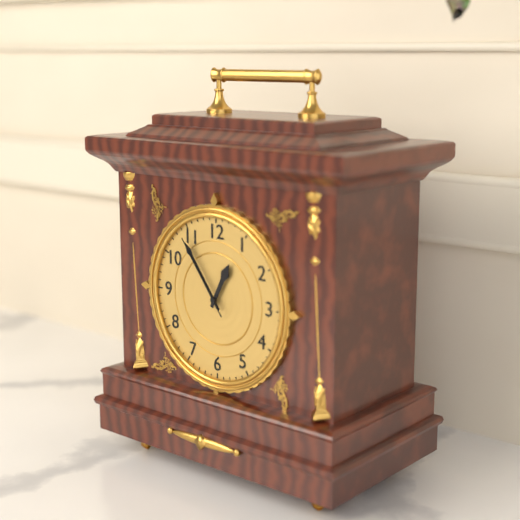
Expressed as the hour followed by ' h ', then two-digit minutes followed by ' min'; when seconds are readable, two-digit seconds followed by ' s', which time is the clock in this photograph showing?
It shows 12 h 54 min 54 s
